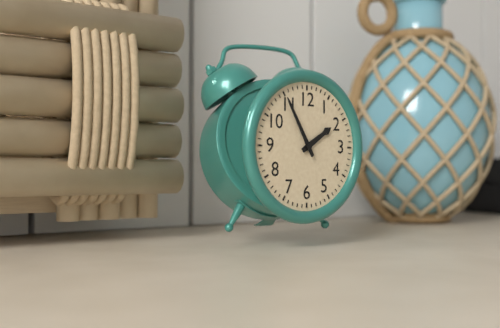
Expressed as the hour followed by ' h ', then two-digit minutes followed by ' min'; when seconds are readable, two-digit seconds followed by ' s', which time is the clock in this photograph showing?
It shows 1 h 55 min
